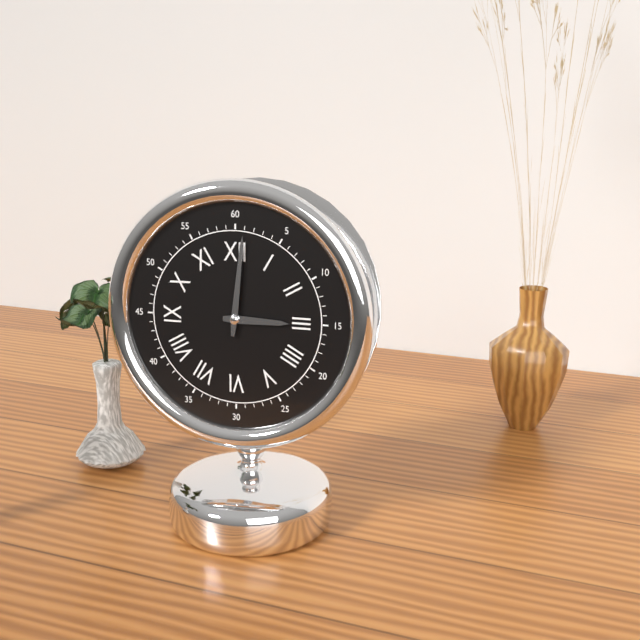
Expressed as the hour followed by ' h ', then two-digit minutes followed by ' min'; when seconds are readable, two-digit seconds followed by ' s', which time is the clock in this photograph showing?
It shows 3 h 01 min
